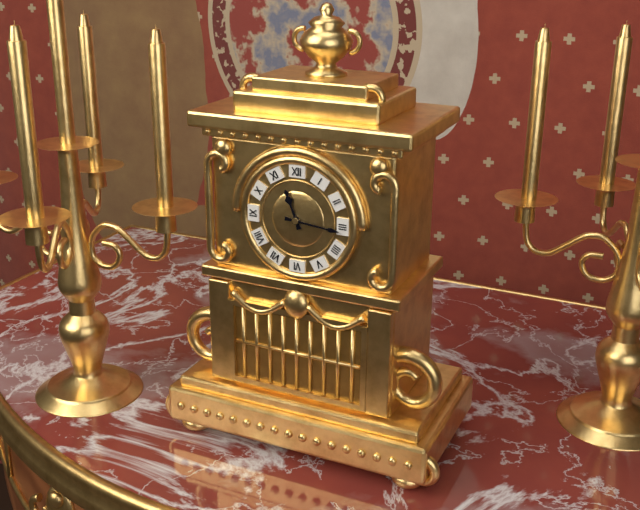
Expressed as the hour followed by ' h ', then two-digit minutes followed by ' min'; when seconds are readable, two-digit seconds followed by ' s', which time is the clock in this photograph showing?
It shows 11 h 16 min
